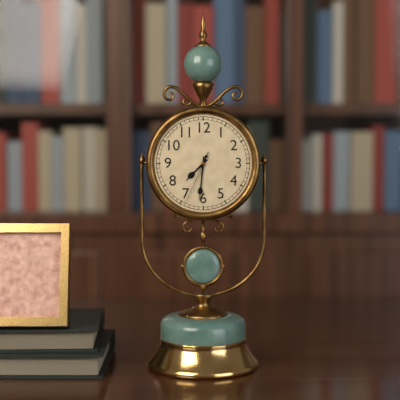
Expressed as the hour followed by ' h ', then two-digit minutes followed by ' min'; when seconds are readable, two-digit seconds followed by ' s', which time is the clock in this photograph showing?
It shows 7 h 31 min 34 s
